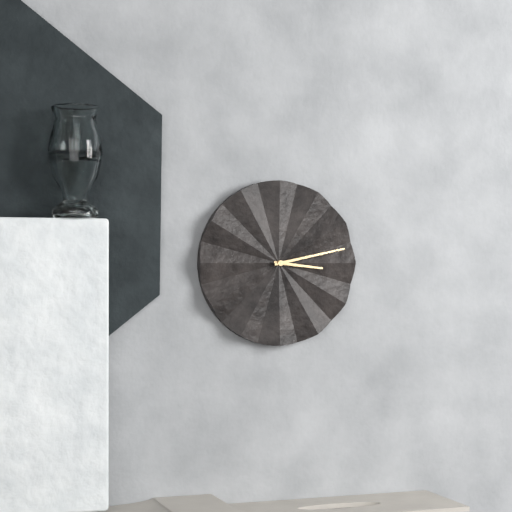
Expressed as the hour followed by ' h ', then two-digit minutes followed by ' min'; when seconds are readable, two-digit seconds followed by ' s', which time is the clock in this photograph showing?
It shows 3 h 13 min
